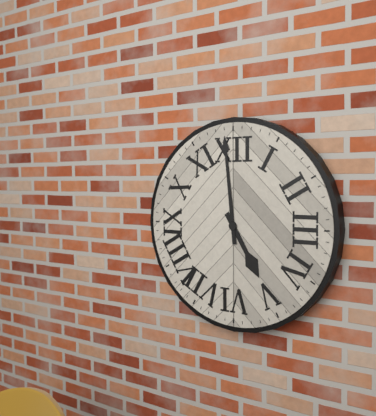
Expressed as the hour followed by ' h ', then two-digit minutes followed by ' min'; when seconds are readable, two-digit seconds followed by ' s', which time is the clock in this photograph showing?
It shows 4 h 59 min
